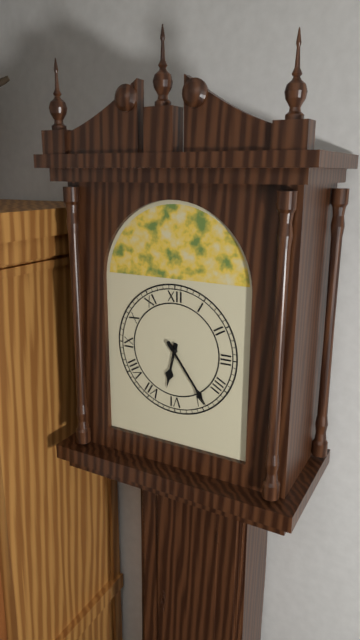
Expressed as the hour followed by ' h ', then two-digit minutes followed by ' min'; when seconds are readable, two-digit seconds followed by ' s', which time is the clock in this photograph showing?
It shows 6 h 24 min
